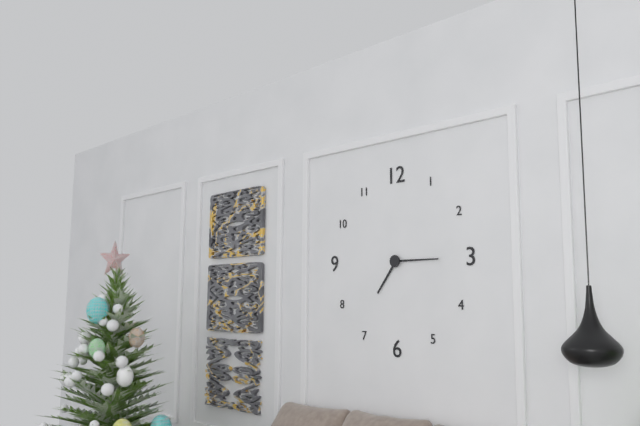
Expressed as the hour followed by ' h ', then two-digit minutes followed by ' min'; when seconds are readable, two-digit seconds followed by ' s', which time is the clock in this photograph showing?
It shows 7 h 15 min
